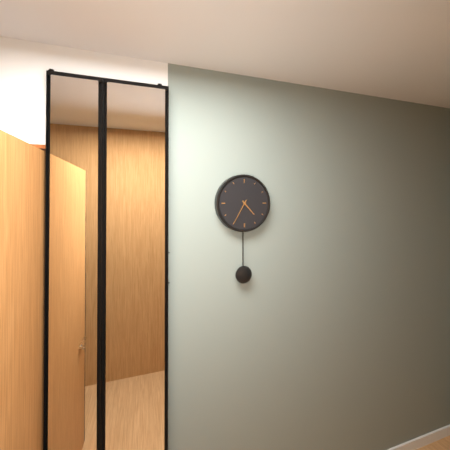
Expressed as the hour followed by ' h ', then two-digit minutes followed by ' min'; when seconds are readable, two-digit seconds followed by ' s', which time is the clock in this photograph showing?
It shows 4 h 35 min
